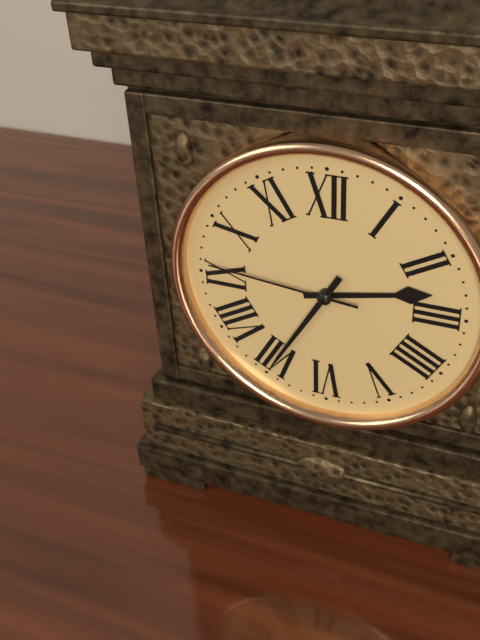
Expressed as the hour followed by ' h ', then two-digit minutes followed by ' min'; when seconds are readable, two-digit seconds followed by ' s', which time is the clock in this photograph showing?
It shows 2 h 35 min 46 s
